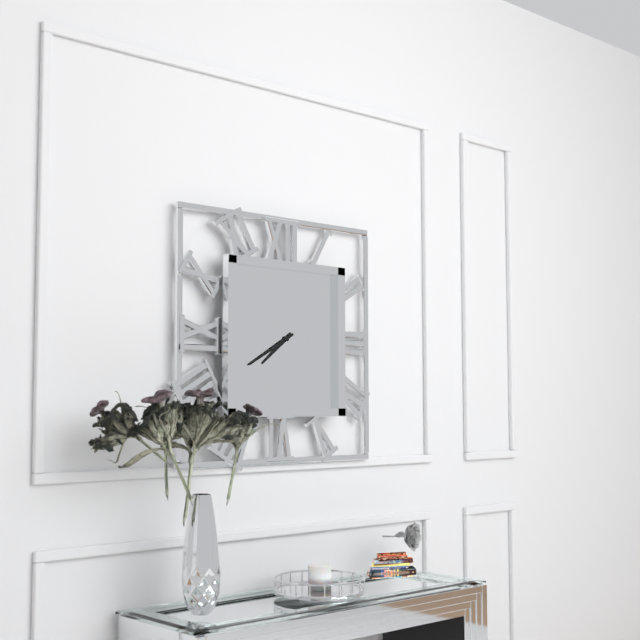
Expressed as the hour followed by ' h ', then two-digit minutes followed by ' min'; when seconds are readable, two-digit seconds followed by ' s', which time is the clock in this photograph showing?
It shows 7 h 40 min
